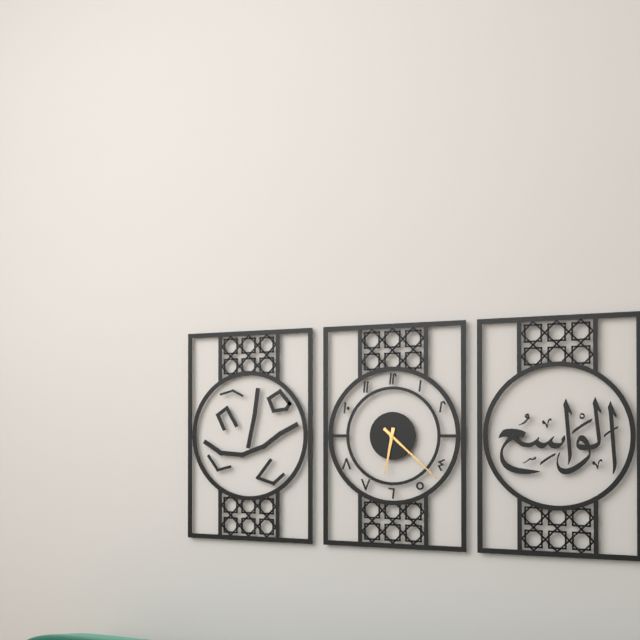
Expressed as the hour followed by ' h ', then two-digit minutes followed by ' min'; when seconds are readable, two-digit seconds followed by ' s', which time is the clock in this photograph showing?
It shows 6 h 22 min
